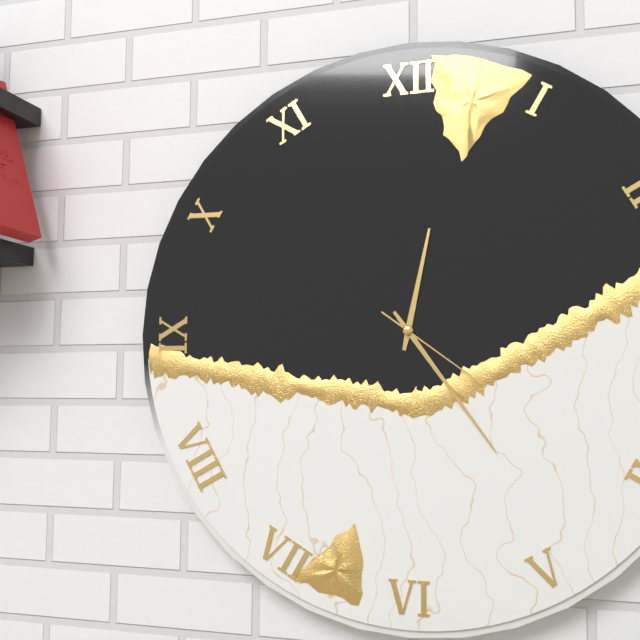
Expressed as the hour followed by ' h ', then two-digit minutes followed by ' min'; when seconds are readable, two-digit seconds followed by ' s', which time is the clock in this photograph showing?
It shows 12 h 24 min 21 s
